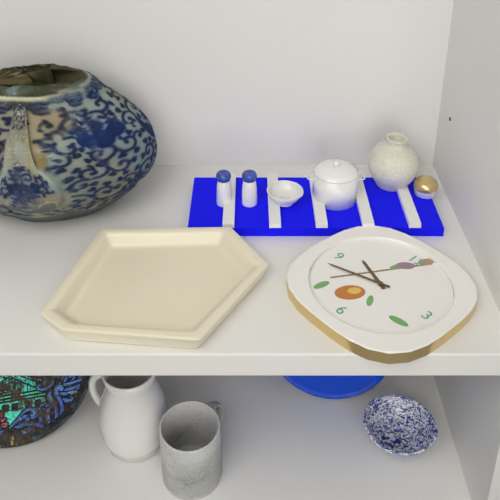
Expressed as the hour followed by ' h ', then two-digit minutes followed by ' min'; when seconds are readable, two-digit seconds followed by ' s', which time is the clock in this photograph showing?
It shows 9 h 42 min
